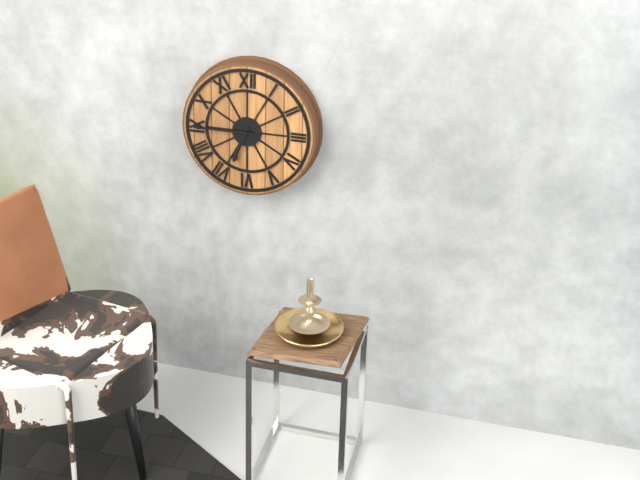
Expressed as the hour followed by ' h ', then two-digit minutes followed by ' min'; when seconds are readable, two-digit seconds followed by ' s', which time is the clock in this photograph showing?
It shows 6 h 45 min
